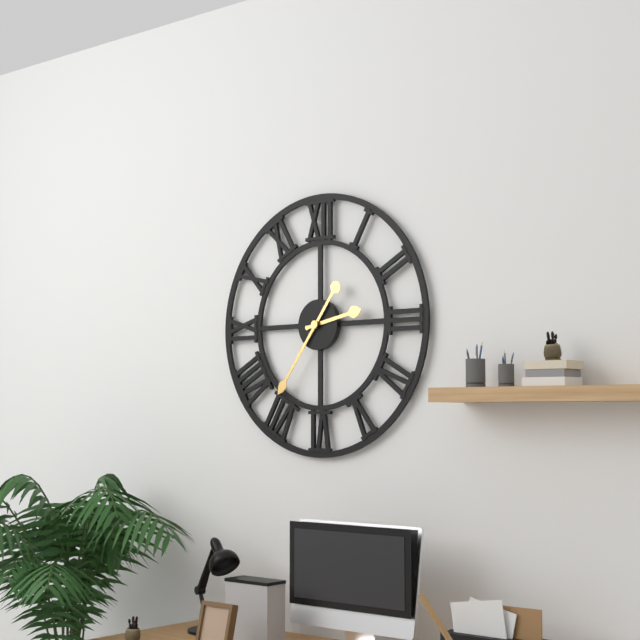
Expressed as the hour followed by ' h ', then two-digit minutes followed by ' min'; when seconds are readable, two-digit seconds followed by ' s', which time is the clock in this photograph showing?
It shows 2 h 36 min
